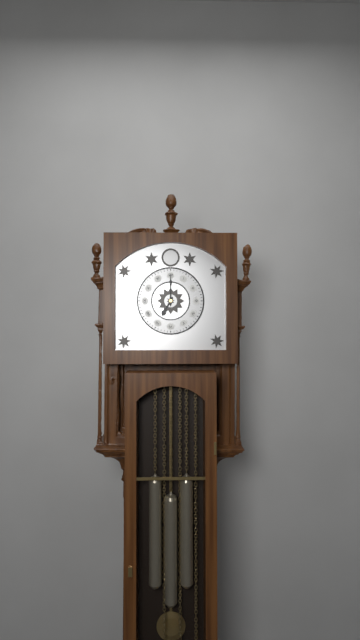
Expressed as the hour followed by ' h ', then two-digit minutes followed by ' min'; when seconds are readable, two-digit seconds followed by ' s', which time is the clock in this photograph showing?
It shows 7 h 00 min
